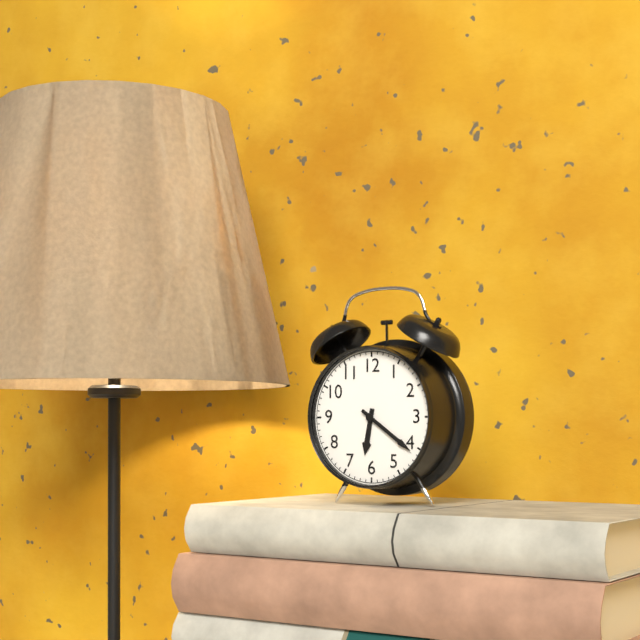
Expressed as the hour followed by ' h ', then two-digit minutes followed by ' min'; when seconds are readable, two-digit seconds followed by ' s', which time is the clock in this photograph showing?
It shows 6 h 21 min
